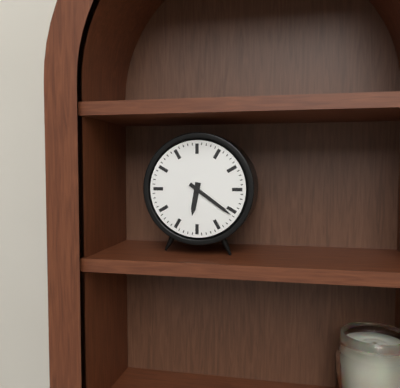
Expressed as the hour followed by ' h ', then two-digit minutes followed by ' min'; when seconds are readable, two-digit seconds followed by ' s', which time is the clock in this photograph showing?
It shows 6 h 21 min
